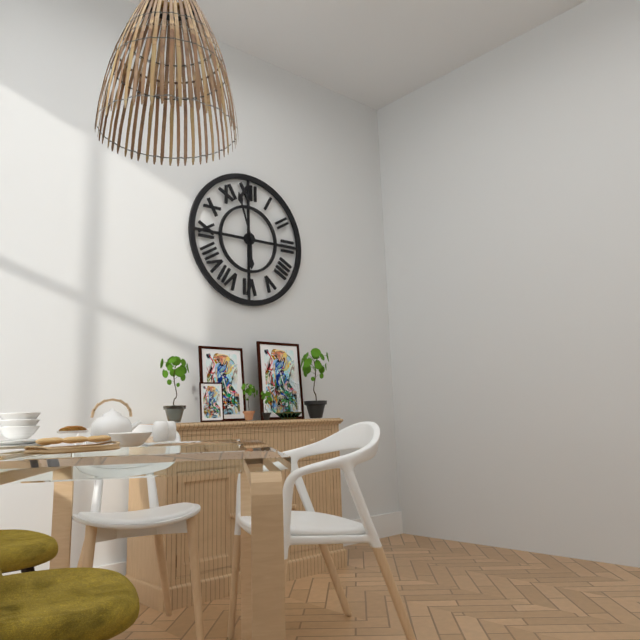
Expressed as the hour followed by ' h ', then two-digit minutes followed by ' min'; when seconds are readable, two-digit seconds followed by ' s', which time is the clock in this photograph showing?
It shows 5 h 57 min
